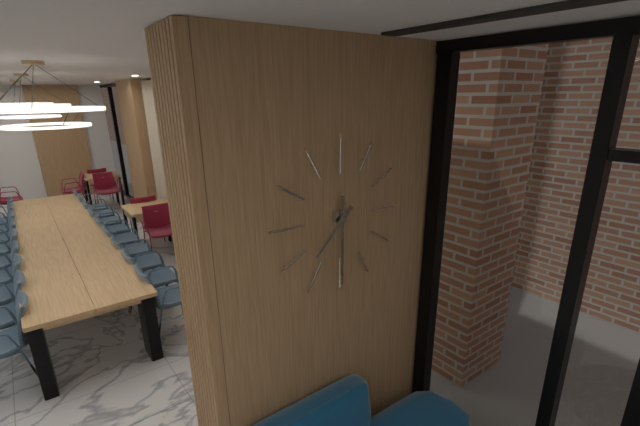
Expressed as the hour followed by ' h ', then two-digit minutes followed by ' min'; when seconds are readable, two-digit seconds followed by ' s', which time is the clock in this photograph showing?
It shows 7 h 30 min
